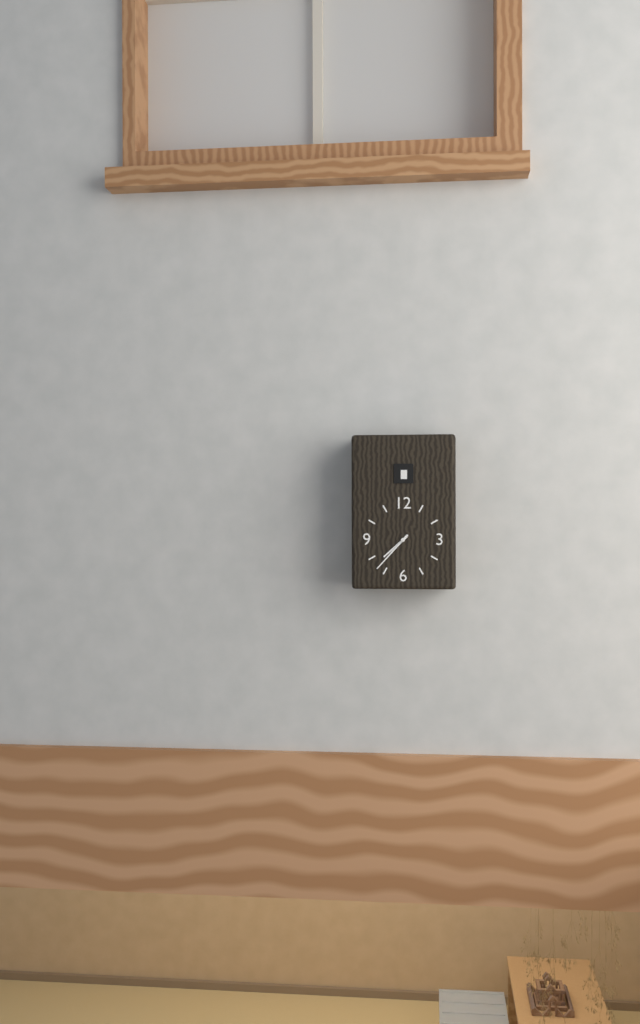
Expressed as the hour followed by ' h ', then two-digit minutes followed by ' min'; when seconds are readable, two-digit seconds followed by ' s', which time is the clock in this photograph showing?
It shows 7 h 37 min
